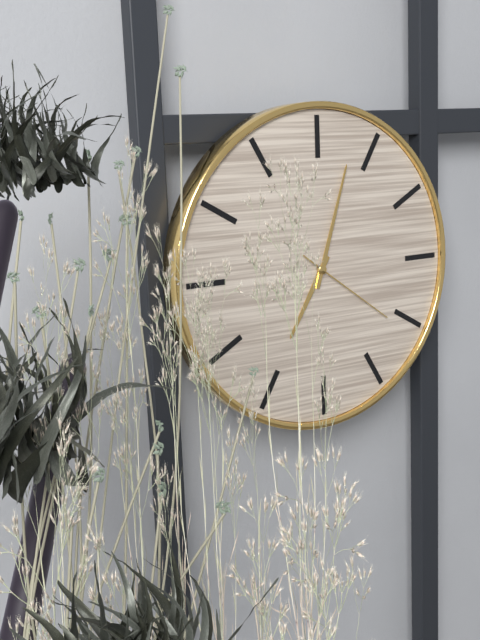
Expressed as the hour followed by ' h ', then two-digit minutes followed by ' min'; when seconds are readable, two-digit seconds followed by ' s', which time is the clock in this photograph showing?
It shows 7 h 03 min 21 s
